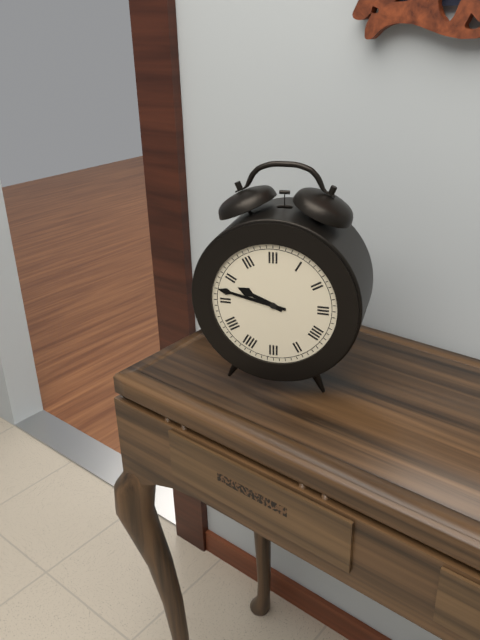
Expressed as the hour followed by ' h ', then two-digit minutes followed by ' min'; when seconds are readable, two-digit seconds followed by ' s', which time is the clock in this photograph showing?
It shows 9 h 47 min
